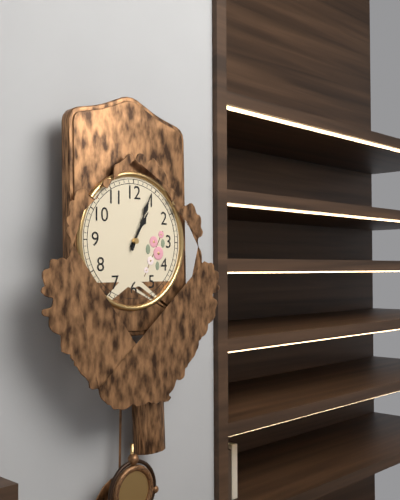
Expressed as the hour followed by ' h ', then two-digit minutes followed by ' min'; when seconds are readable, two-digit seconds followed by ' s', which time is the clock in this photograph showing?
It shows 1 h 04 min
